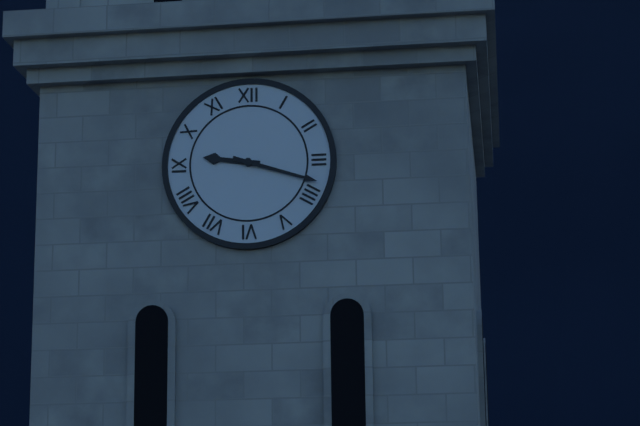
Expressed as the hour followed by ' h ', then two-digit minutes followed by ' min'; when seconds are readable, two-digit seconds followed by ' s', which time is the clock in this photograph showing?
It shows 9 h 18 min
